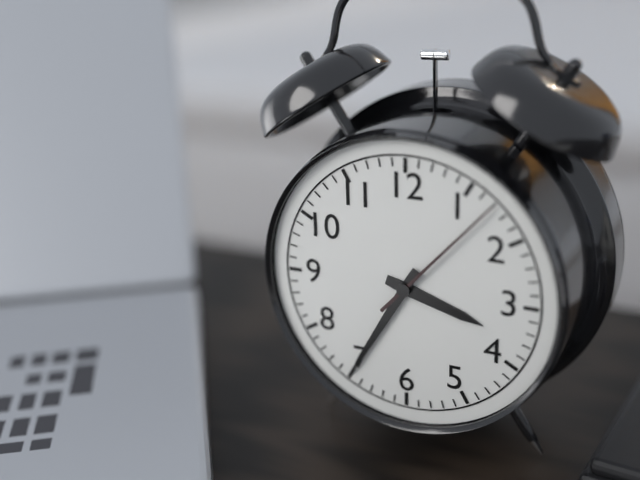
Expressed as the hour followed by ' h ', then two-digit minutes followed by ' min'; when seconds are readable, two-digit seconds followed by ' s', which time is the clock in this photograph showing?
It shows 3 h 35 min 07 s
